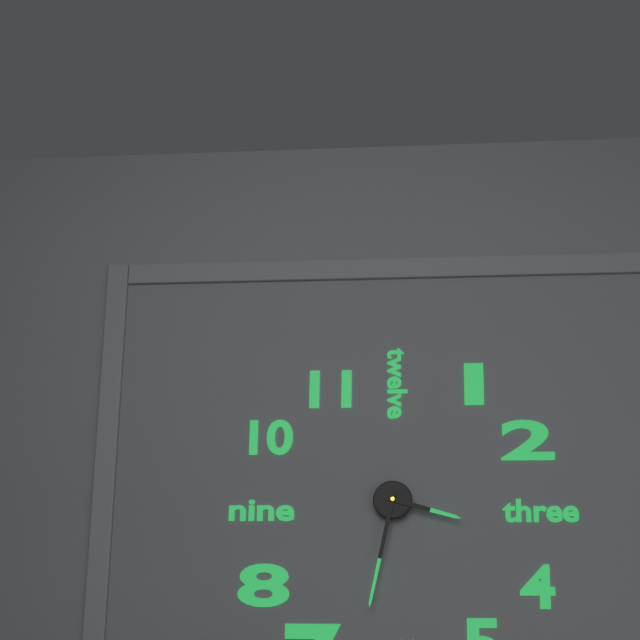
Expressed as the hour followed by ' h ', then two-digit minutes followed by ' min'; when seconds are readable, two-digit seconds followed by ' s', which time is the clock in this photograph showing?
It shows 3 h 32 min
